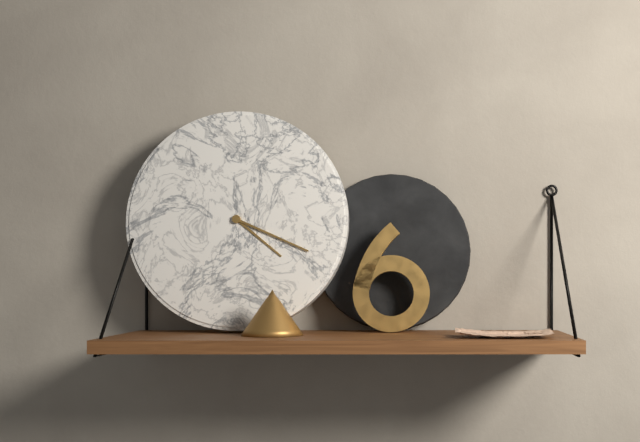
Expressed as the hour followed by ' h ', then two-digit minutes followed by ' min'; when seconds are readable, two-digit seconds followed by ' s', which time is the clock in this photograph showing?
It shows 4 h 19 min
